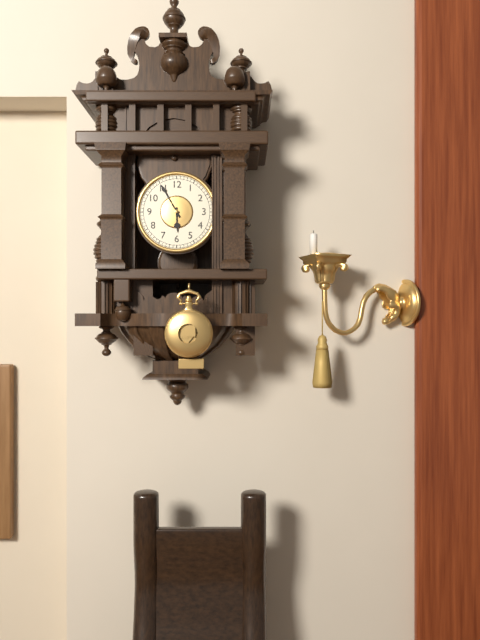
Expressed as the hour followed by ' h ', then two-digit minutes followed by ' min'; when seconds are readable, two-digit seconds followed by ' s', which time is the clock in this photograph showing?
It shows 5 h 55 min
